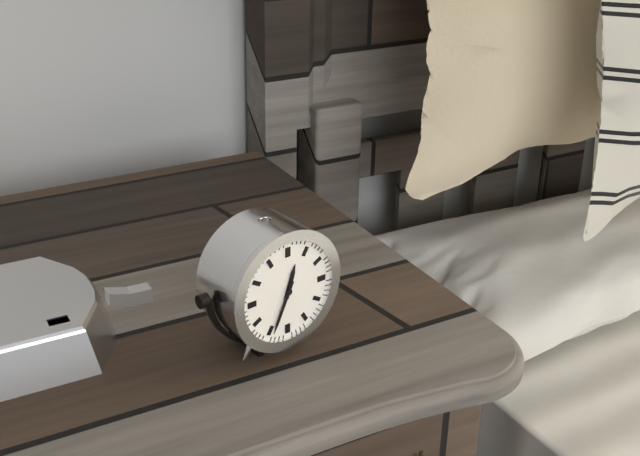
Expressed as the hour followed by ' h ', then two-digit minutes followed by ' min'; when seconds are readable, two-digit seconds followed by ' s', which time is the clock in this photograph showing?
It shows 12 h 34 min
